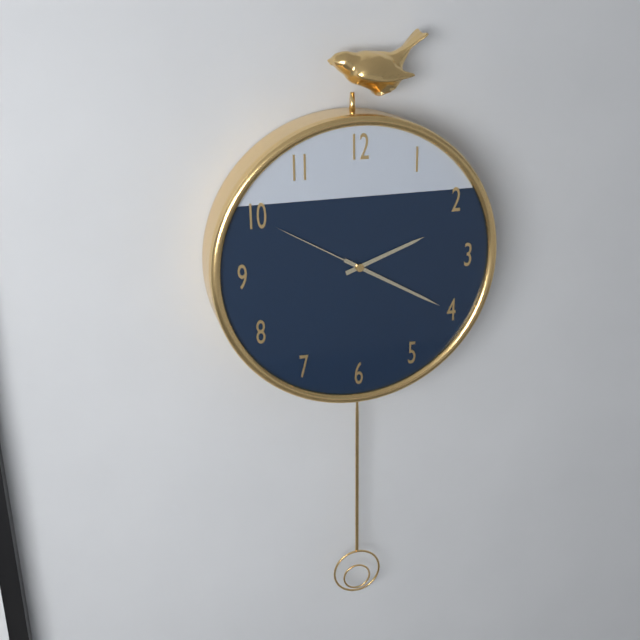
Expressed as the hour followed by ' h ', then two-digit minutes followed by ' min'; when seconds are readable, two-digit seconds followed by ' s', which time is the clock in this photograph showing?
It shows 2 h 20 min 50 s
